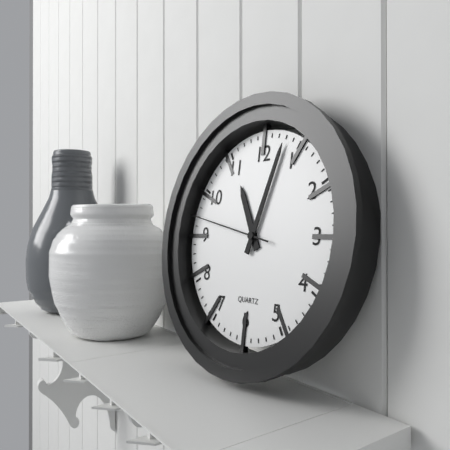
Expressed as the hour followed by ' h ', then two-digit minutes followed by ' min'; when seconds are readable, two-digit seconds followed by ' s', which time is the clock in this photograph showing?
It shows 11 h 03 min 47 s
